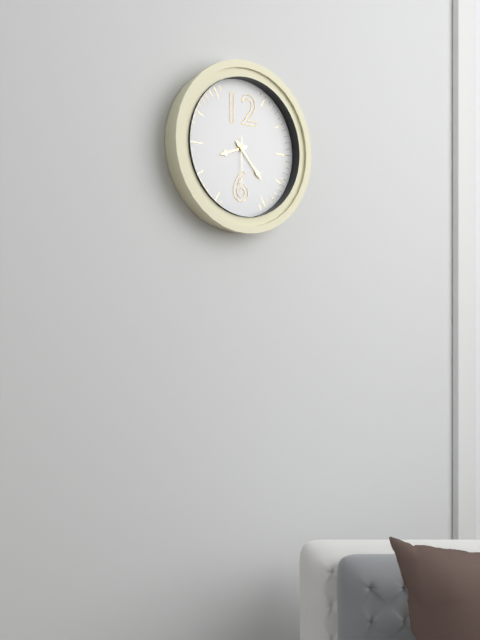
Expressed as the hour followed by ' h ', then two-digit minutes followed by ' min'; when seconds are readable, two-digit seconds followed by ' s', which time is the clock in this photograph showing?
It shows 8 h 23 min 30 s
